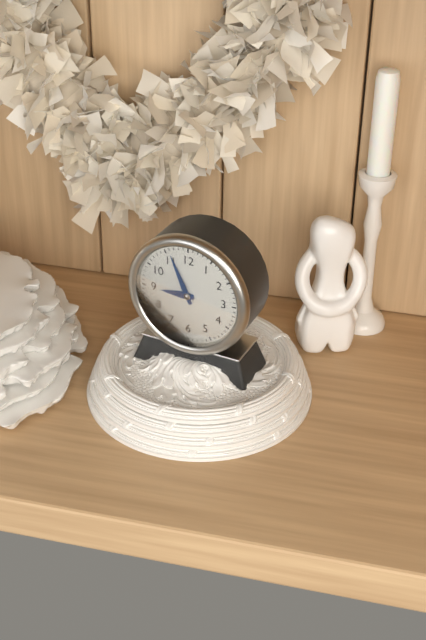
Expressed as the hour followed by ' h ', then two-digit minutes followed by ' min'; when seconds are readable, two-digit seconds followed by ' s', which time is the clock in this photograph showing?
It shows 8 h 56 min
